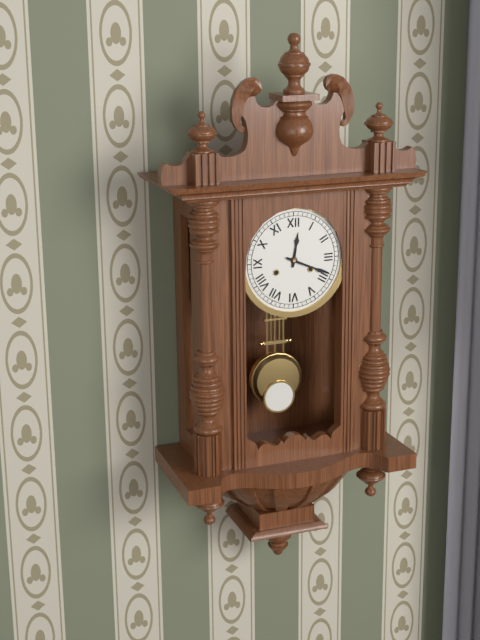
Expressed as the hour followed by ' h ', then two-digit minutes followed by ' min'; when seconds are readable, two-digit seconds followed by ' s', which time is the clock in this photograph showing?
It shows 12 h 19 min
